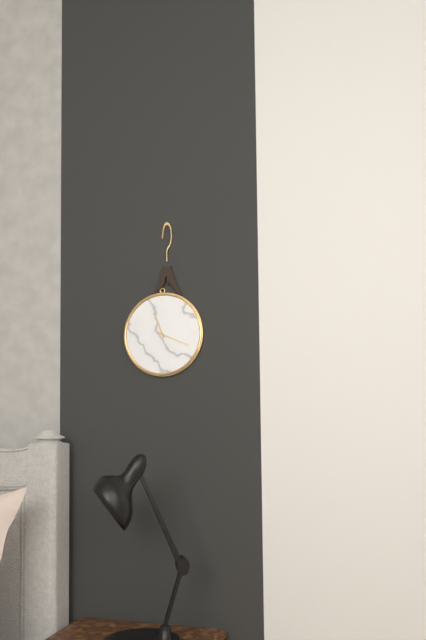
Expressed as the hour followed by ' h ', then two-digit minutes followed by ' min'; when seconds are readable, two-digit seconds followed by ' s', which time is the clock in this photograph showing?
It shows 11 h 19 min
